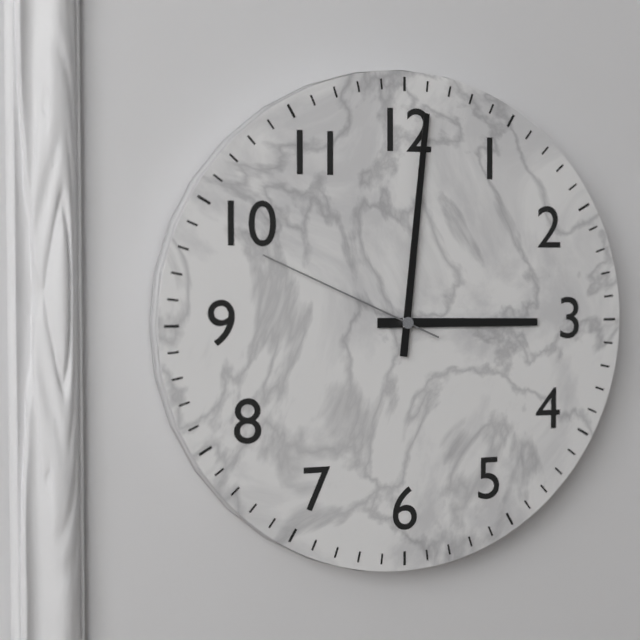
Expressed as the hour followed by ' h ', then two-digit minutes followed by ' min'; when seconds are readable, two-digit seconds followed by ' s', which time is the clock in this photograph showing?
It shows 3 h 01 min 49 s
